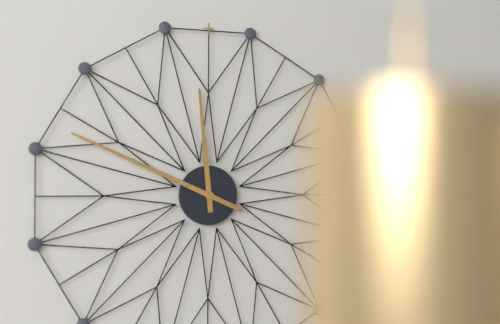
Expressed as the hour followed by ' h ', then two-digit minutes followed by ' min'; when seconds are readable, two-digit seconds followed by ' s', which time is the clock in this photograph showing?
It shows 11 h 49 min
